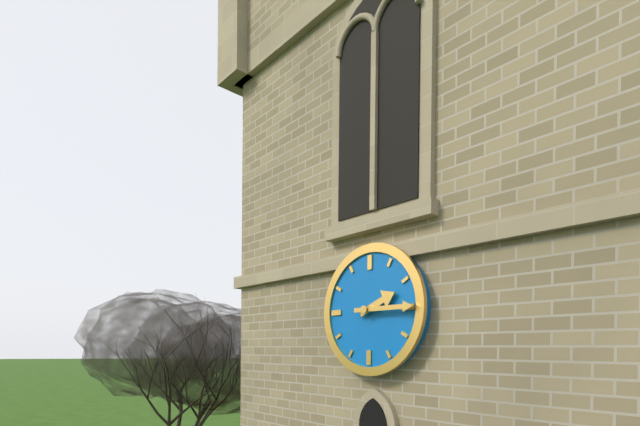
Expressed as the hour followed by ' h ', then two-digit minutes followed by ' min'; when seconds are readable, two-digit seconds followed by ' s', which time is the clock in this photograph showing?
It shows 2 h 15 min
